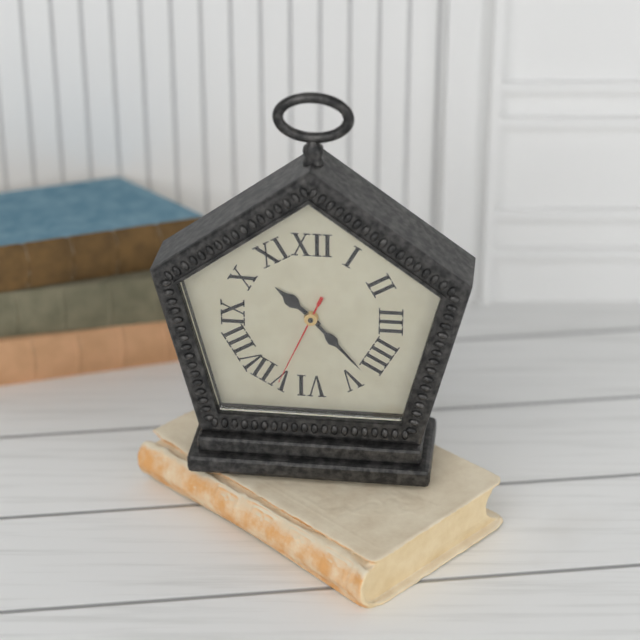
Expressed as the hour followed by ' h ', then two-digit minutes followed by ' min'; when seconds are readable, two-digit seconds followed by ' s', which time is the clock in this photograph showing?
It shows 10 h 23 min 34 s
